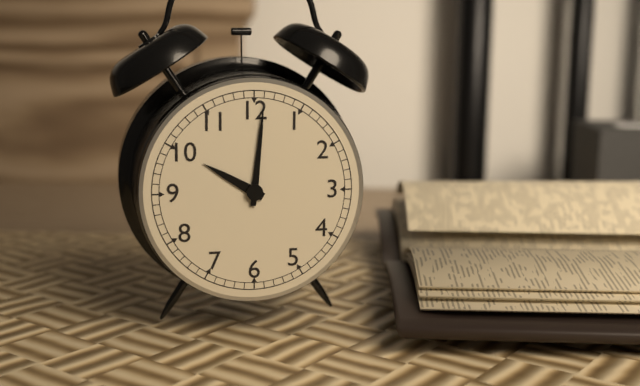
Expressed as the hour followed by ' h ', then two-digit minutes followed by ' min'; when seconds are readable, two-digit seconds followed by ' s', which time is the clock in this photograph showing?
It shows 10 h 01 min
